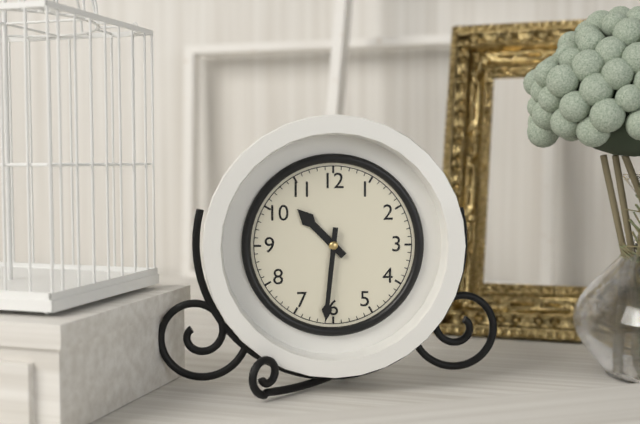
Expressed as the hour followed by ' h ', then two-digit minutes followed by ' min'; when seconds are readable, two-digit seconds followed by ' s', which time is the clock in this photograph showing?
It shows 10 h 31 min
